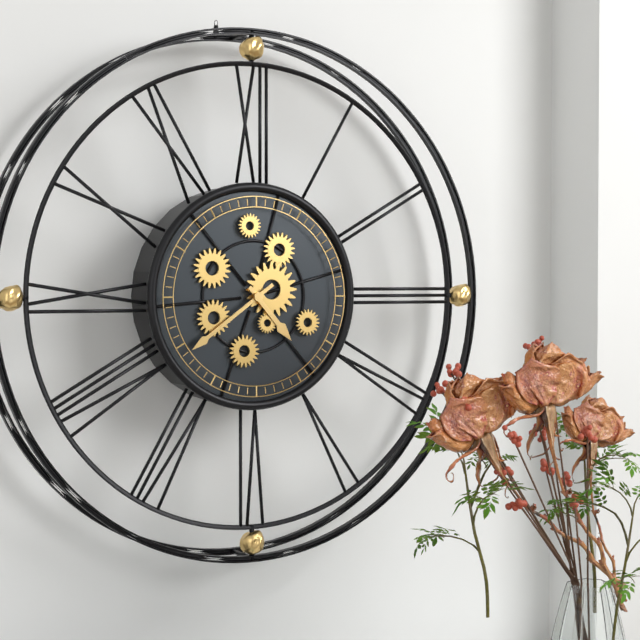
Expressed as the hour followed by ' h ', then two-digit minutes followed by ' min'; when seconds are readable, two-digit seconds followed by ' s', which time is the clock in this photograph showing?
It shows 4 h 39 min
